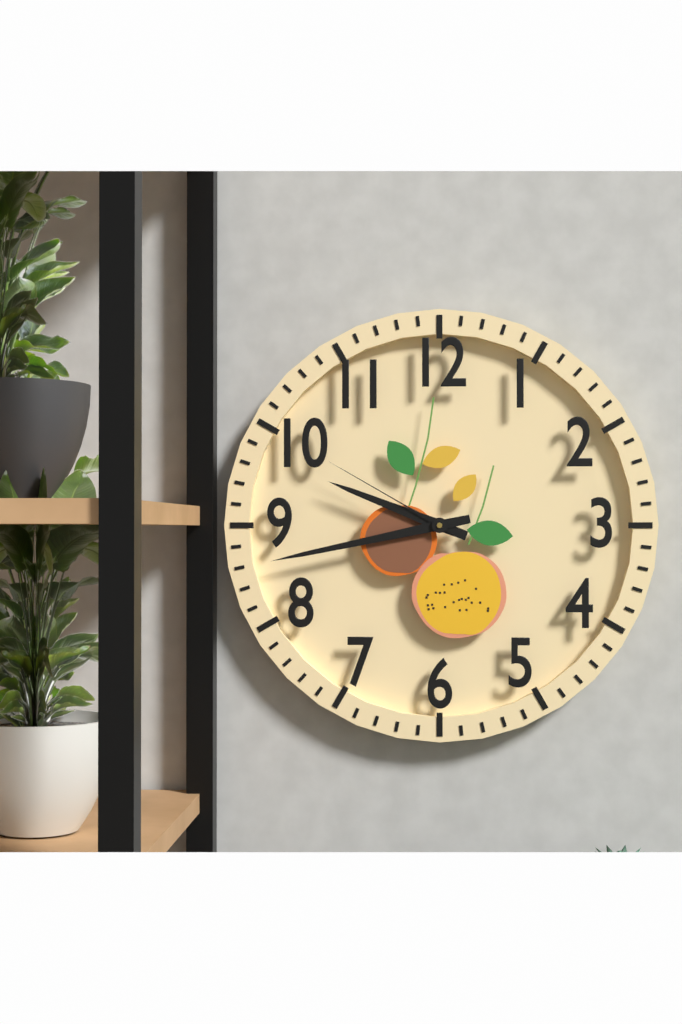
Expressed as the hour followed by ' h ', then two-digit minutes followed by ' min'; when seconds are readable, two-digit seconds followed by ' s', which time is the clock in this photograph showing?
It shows 9 h 43 min 50 s
